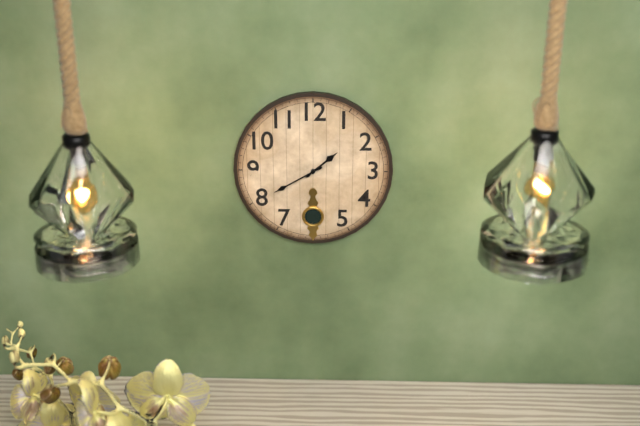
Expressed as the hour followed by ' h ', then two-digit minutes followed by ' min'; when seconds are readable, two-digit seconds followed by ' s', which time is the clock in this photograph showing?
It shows 1 h 40 min
